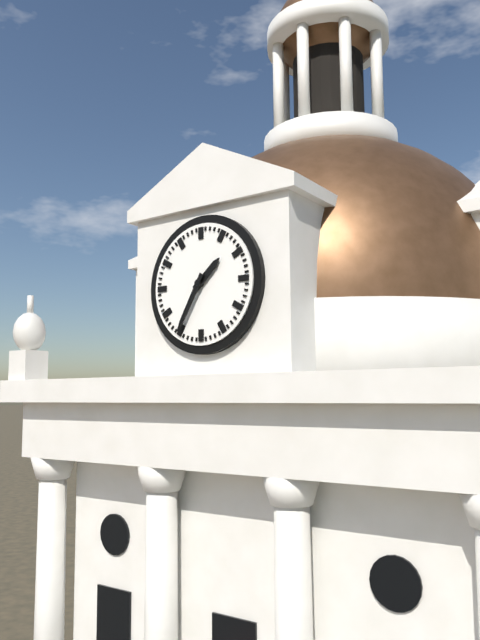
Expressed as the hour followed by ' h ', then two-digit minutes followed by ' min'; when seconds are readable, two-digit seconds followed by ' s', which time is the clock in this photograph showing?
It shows 1 h 35 min
